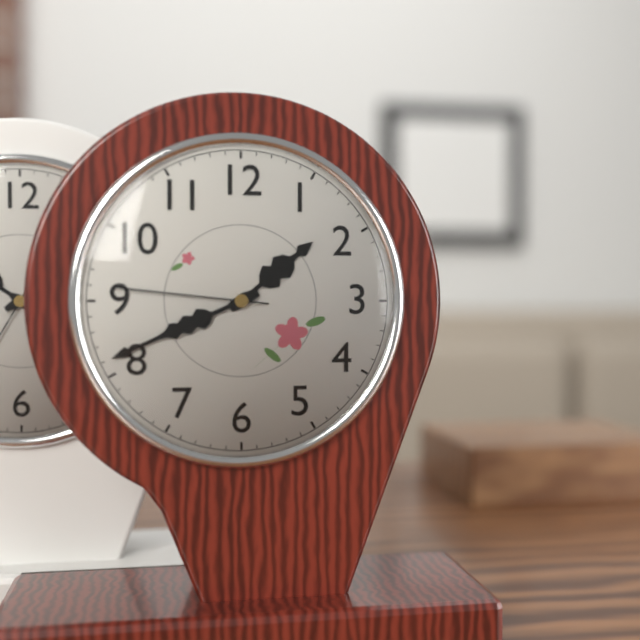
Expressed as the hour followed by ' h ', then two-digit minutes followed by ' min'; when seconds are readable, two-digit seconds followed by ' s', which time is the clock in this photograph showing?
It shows 1 h 41 min 46 s
